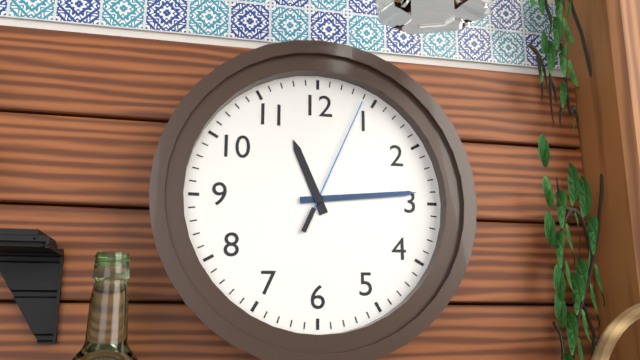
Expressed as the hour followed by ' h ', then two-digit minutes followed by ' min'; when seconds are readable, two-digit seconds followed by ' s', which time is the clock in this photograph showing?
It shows 11 h 14 min 04 s
